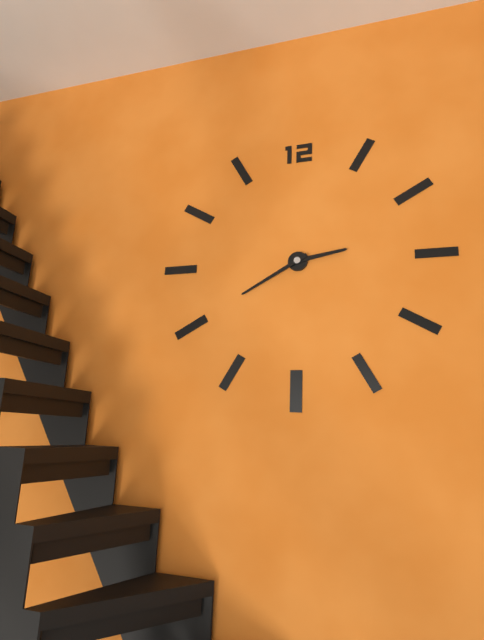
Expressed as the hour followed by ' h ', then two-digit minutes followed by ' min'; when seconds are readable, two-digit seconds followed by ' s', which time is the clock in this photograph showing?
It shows 2 h 40 min
